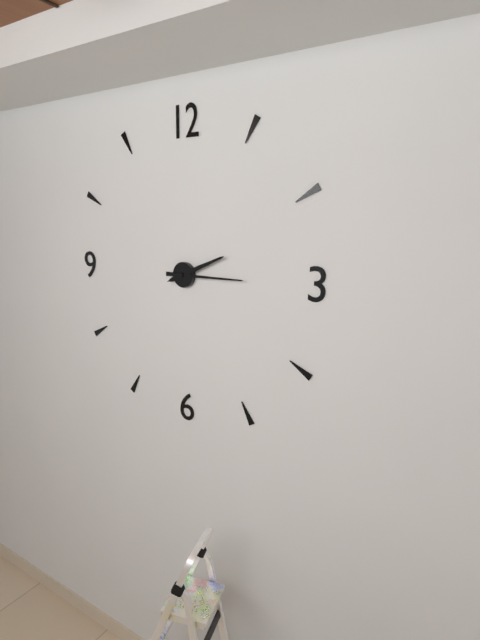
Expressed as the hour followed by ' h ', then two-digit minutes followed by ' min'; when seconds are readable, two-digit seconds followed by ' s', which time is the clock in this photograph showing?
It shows 2 h 15 min
